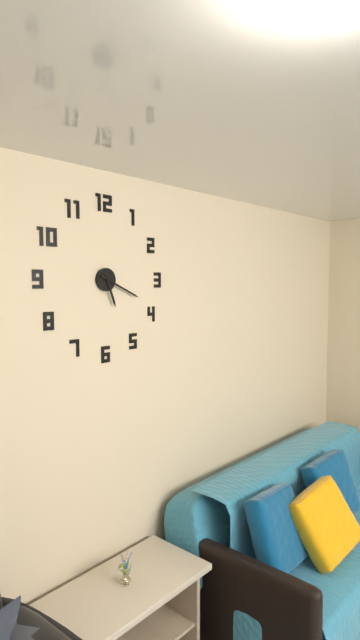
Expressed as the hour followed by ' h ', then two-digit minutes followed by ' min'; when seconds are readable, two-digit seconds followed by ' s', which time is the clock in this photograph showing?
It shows 5 h 19 min
